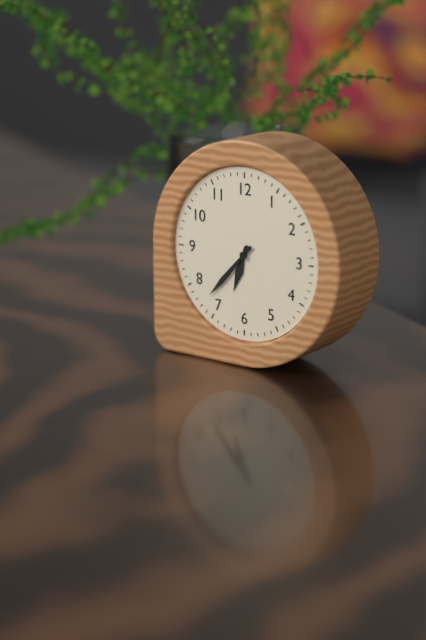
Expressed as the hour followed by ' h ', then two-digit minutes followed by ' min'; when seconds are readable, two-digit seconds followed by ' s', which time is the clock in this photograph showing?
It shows 6 h 37 min
